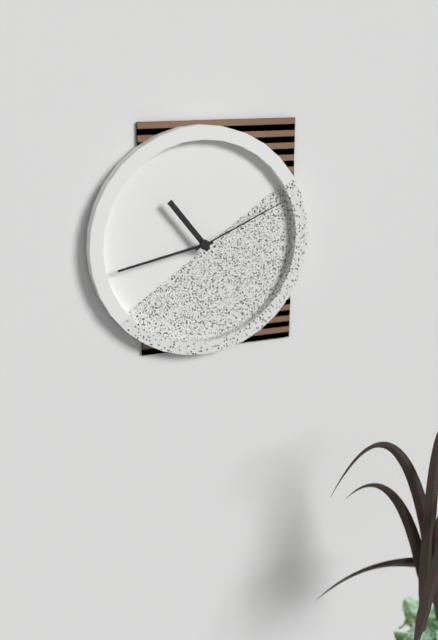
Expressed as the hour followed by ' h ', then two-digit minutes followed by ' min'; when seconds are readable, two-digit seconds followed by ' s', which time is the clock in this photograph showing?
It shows 10 h 43 min 11 s
